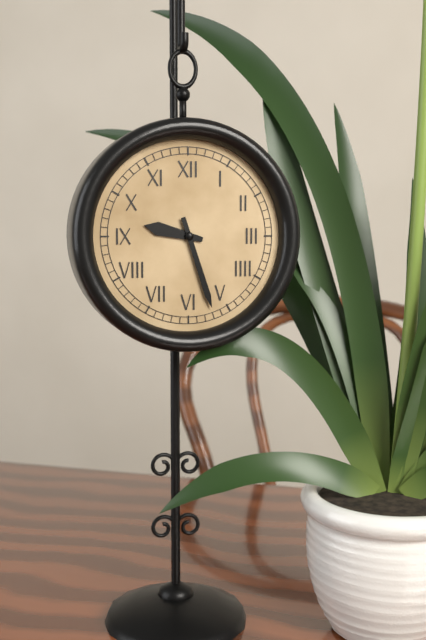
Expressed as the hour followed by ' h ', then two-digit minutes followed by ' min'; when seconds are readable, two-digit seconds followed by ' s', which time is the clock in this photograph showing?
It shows 9 h 27 min
